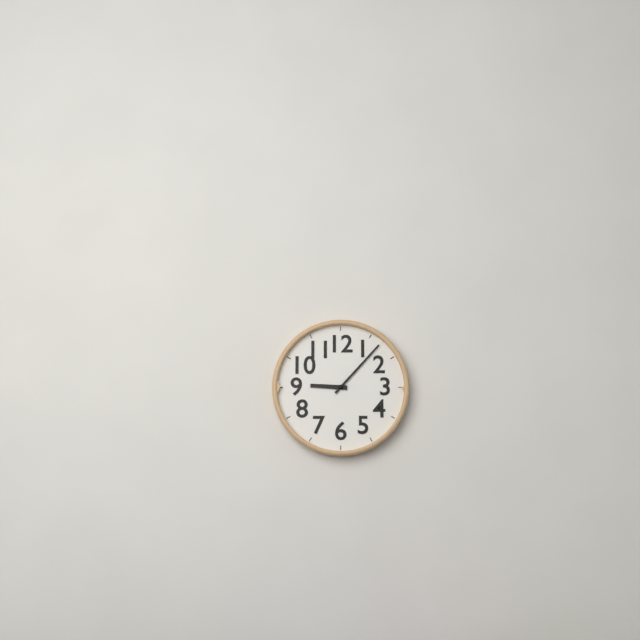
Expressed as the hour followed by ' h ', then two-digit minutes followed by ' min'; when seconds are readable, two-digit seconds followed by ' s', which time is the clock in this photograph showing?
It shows 9 h 07 min
